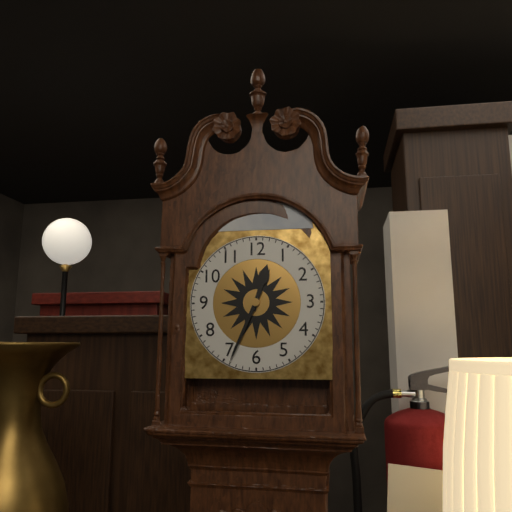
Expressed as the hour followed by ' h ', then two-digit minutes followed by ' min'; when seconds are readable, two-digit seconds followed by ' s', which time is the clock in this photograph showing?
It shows 12 h 34 min
